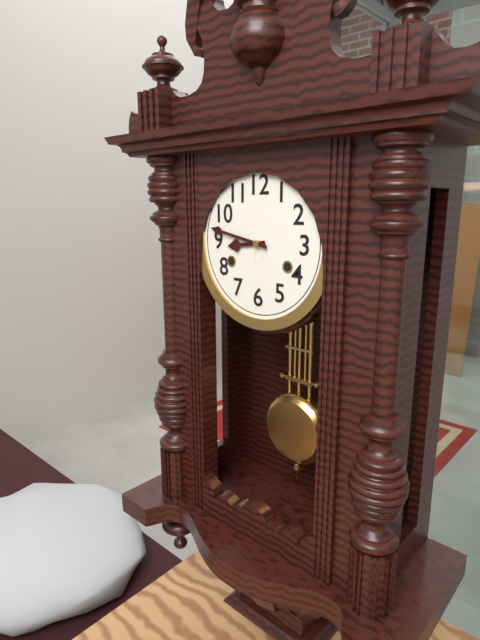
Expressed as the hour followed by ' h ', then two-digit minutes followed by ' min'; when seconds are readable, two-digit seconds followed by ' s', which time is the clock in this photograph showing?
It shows 8 h 47 min
